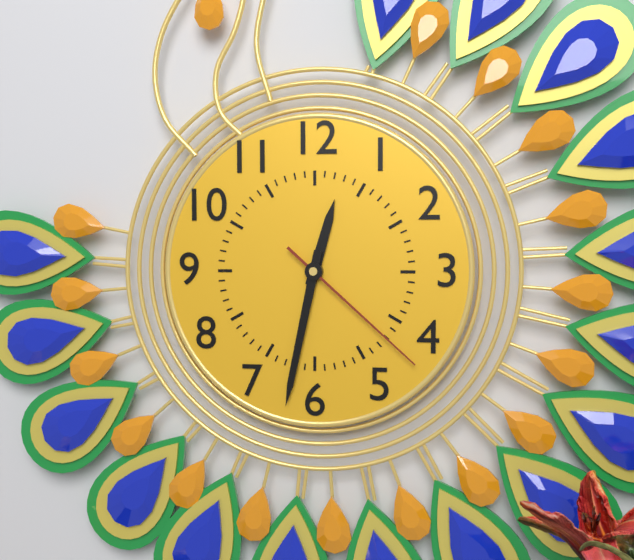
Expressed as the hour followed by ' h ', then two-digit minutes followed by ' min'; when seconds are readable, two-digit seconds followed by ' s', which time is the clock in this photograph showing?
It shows 12 h 32 min 22 s
